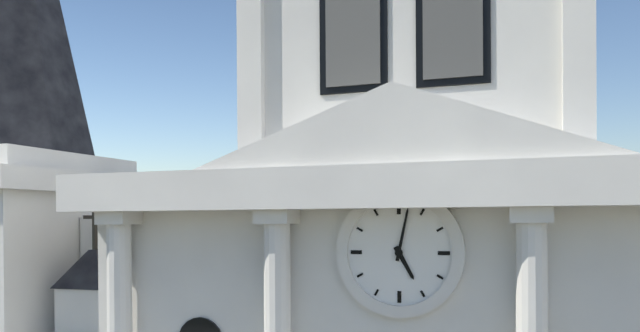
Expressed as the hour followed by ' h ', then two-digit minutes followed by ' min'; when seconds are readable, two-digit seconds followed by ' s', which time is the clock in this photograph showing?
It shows 5 h 02 min
